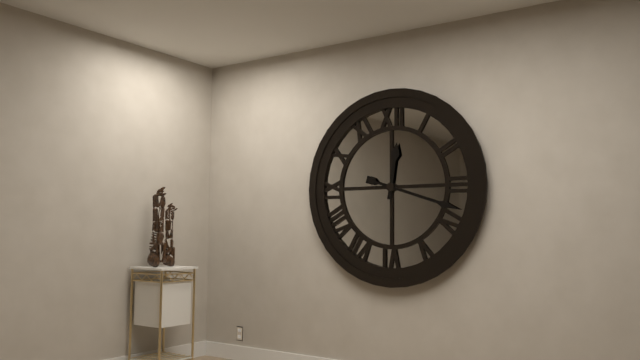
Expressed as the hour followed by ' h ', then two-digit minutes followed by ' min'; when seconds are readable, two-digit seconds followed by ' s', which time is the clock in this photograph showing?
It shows 12 h 18 min
